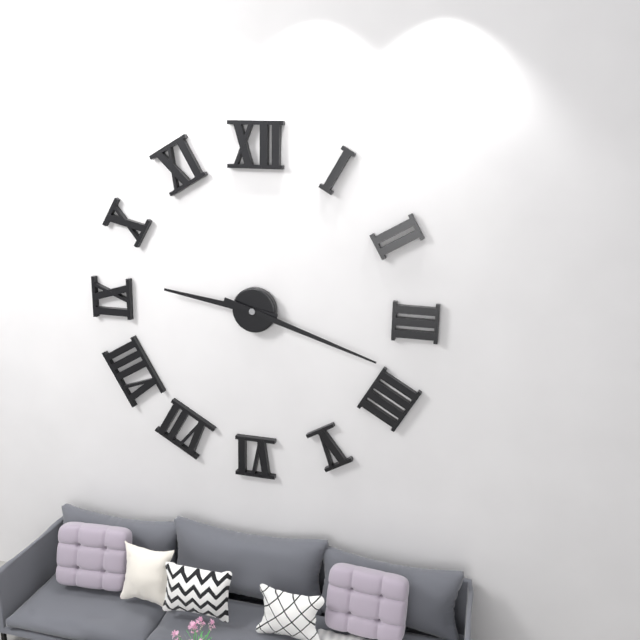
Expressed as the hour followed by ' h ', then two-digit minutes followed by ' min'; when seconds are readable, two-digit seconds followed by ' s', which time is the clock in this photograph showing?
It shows 9 h 18 min
